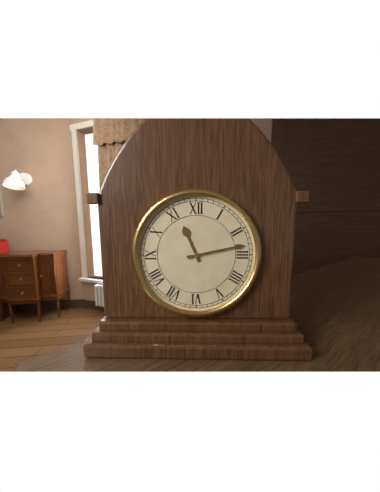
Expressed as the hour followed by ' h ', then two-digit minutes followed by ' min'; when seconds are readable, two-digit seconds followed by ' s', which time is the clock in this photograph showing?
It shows 11 h 13 min
